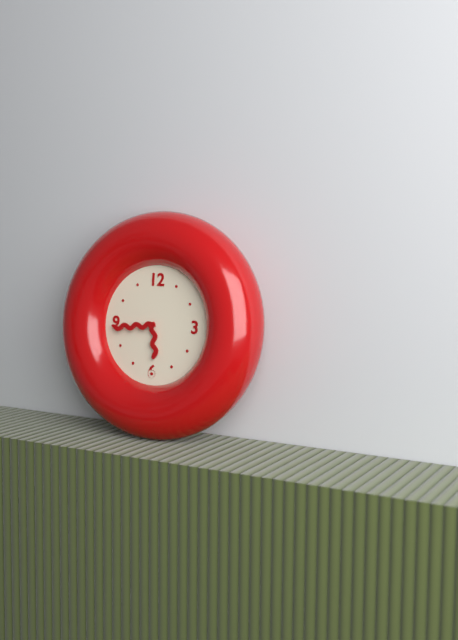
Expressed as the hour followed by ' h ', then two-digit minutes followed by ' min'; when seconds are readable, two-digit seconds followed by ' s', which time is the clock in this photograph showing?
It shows 5 h 44 min
